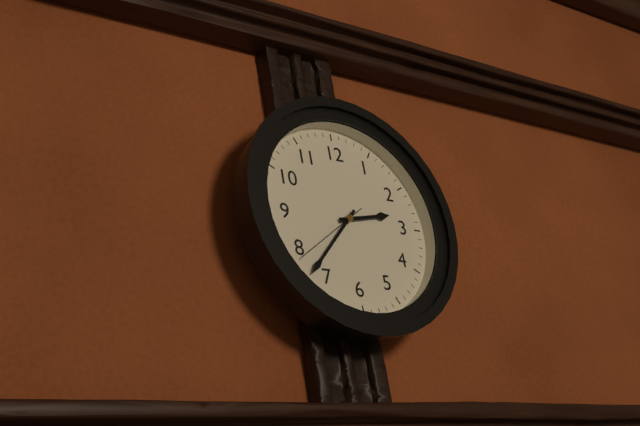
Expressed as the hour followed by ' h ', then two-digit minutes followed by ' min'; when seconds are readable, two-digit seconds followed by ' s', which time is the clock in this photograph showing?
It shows 2 h 37 min 39 s
